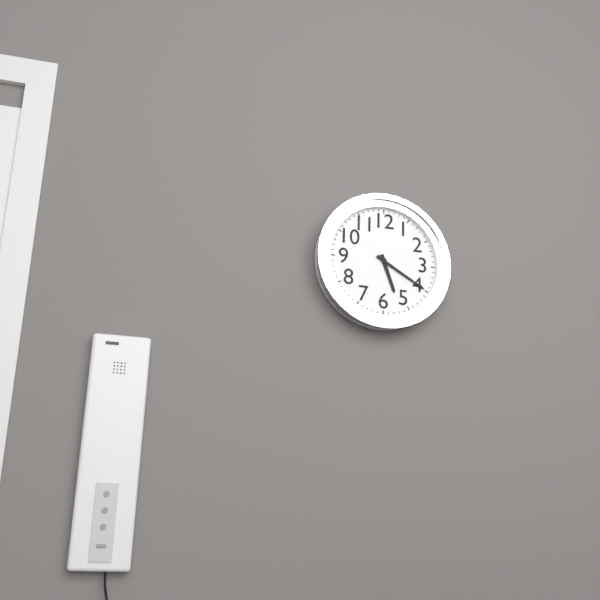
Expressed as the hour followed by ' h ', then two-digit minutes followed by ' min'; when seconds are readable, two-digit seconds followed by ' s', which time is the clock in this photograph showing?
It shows 5 h 20 min
